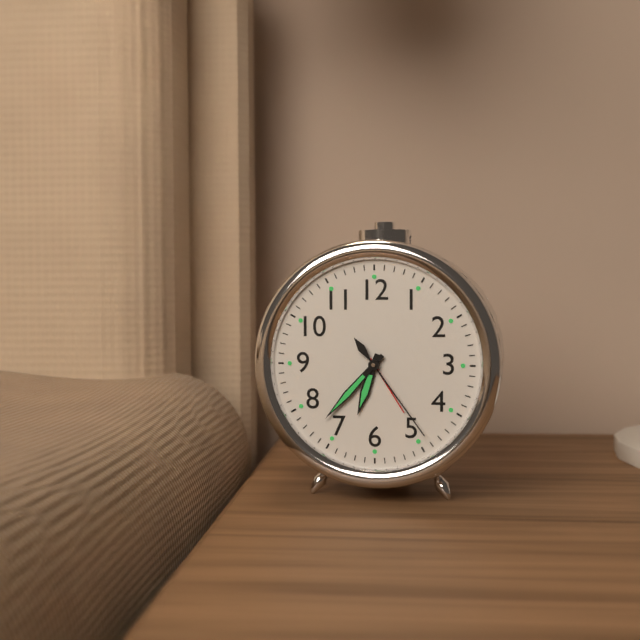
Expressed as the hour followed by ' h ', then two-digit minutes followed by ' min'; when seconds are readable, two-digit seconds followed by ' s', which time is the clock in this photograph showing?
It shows 6 h 37 min 24 s
